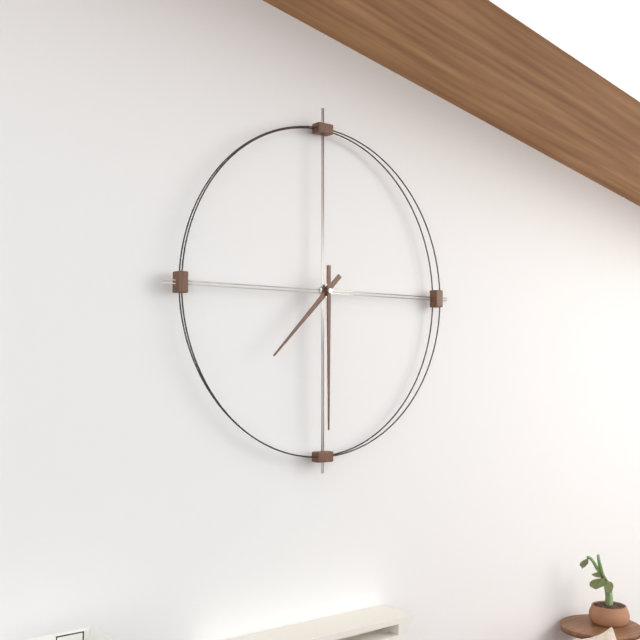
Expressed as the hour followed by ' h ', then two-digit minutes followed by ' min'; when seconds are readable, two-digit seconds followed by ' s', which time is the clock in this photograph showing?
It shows 7 h 30 min
